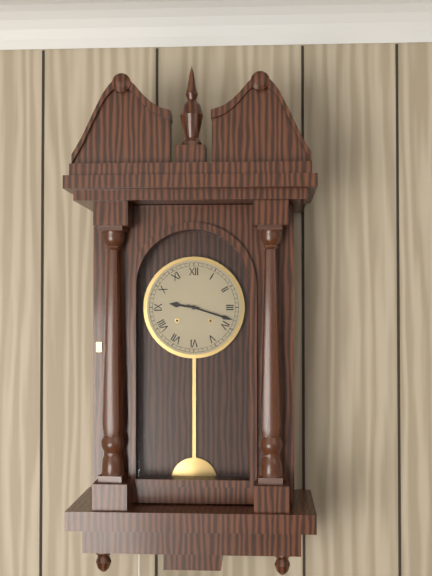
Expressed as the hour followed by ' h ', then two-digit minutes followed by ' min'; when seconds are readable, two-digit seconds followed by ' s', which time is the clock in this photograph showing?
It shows 9 h 18 min
